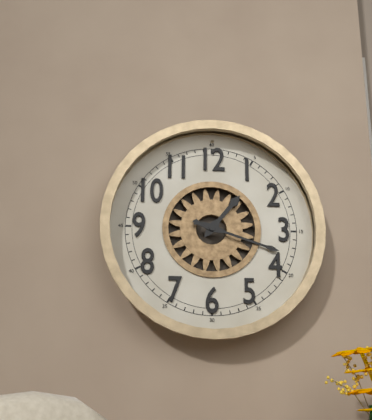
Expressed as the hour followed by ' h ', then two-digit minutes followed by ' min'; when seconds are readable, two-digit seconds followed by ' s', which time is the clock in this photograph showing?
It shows 1 h 18 min
